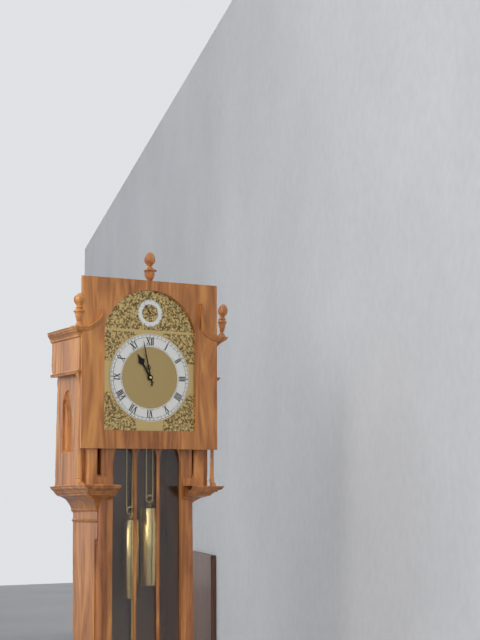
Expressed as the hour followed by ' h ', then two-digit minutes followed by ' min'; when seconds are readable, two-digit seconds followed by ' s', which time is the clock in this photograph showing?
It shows 10 h 58 min
